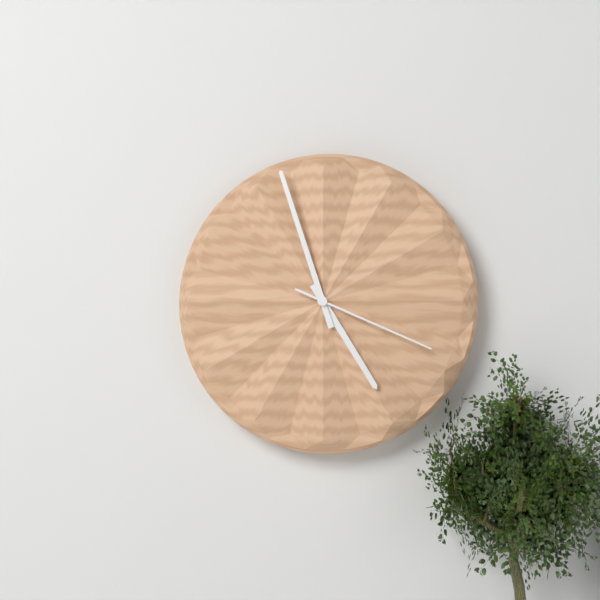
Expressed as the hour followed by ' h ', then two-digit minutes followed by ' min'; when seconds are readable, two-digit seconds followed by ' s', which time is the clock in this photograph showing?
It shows 4 h 57 min 19 s
